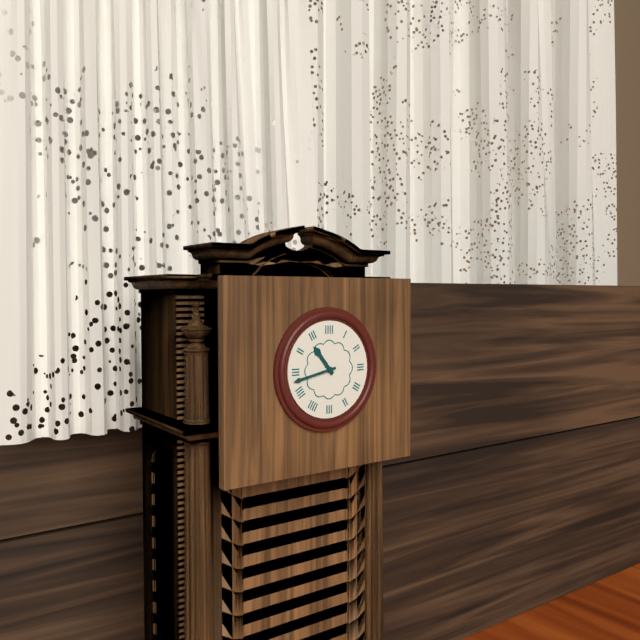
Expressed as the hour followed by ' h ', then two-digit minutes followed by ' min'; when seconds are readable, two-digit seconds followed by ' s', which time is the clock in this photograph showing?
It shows 10 h 43 min
